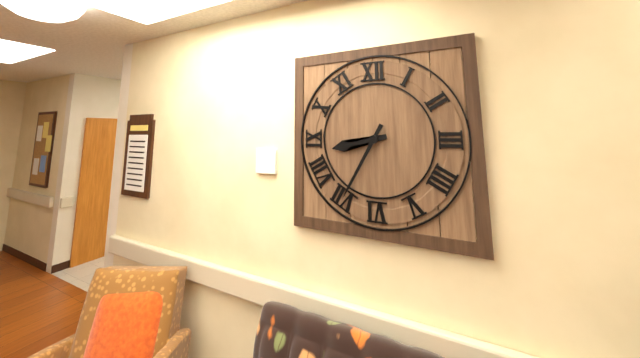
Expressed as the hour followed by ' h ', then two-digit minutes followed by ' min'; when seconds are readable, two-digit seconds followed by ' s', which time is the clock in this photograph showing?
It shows 8 h 35 min
